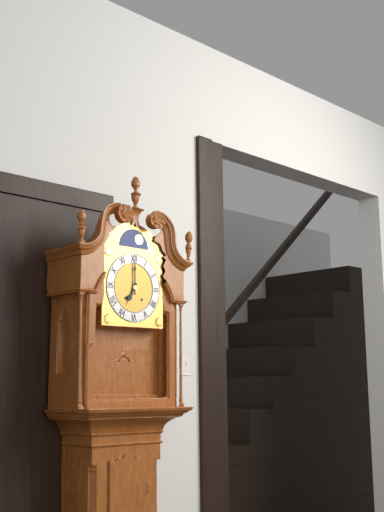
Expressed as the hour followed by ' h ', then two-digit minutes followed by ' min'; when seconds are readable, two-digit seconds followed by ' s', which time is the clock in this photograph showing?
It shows 7 h 00 min
